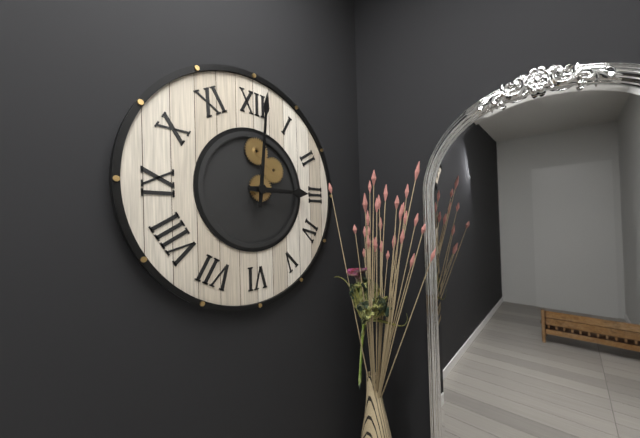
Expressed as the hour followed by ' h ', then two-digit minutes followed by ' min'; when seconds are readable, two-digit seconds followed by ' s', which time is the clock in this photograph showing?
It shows 3 h 01 min
